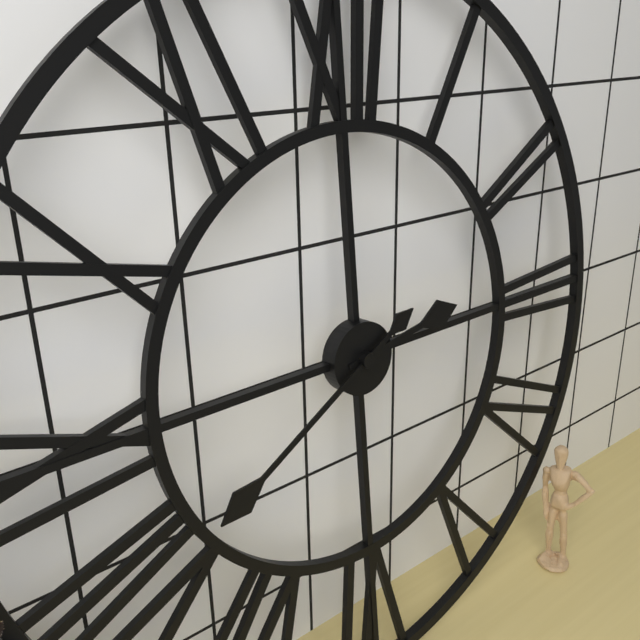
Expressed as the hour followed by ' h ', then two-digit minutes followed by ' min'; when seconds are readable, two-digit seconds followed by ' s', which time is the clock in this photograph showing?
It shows 2 h 40 min
